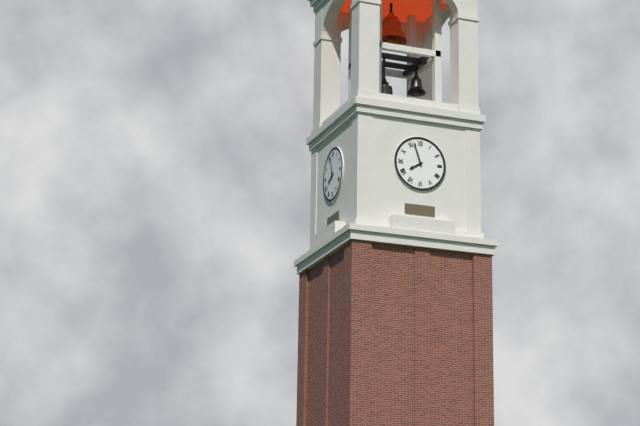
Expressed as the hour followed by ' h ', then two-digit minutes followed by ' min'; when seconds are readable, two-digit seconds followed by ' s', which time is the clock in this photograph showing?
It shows 7 h 57 min
